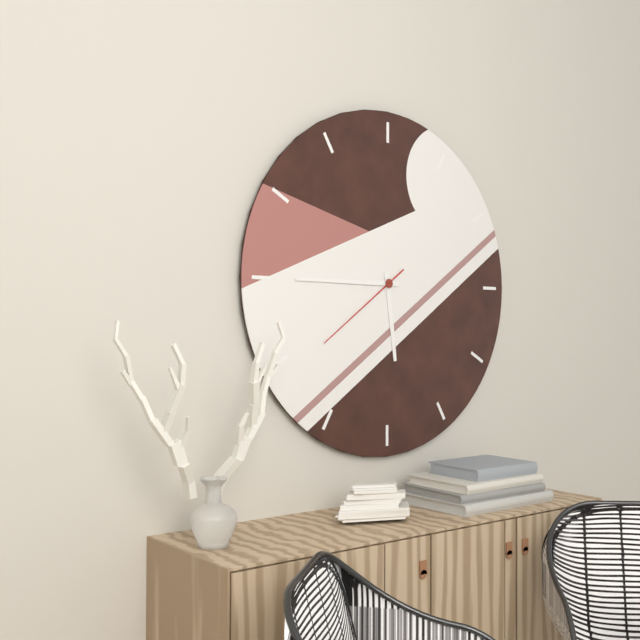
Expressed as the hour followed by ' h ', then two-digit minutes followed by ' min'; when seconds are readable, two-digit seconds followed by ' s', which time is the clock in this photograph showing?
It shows 5 h 45 min 39 s
